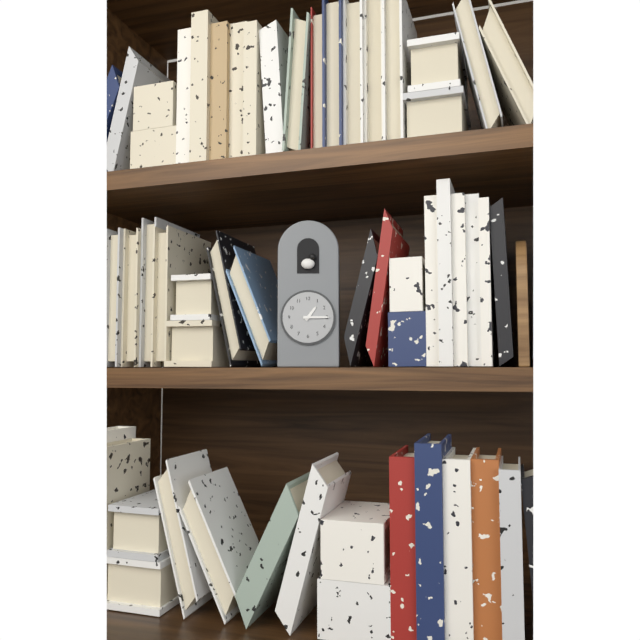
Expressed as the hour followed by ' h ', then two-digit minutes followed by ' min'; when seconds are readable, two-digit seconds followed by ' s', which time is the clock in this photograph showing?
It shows 1 h 15 min
